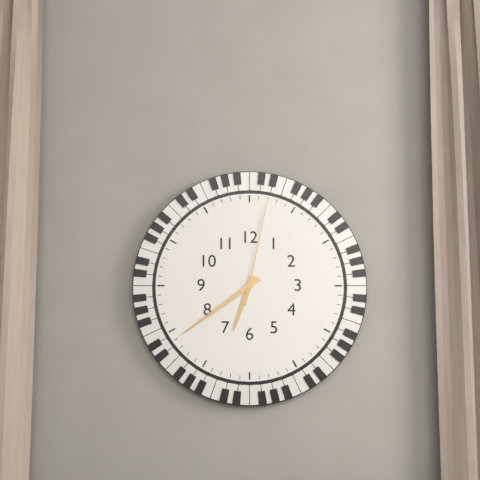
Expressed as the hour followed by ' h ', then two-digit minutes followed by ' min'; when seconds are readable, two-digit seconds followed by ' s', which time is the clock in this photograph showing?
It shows 6 h 39 min 02 s
